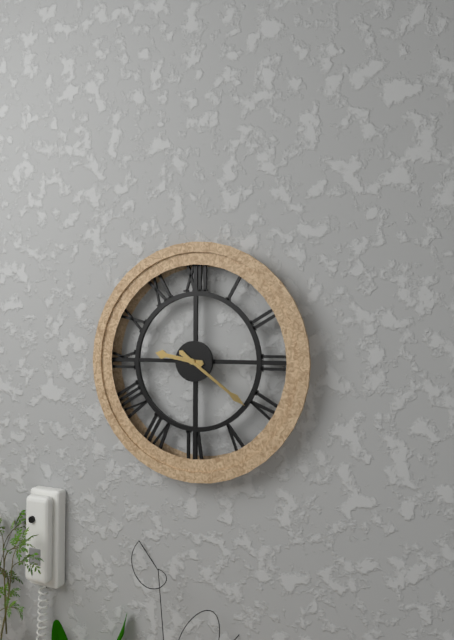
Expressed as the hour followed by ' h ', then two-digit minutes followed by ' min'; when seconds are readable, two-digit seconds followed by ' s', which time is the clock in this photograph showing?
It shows 9 h 21 min
